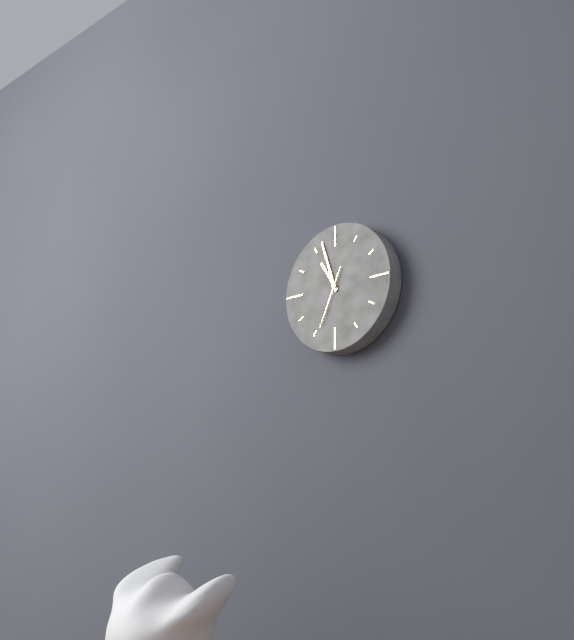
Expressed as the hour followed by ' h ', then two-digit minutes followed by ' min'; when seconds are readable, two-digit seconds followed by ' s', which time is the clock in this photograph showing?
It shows 10 h 57 min 34 s
